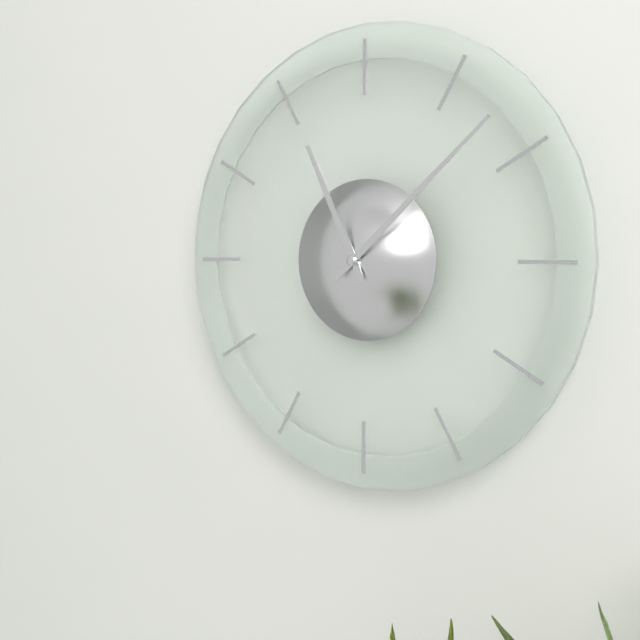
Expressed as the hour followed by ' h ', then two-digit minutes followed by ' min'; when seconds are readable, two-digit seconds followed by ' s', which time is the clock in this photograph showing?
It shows 11 h 08 min
